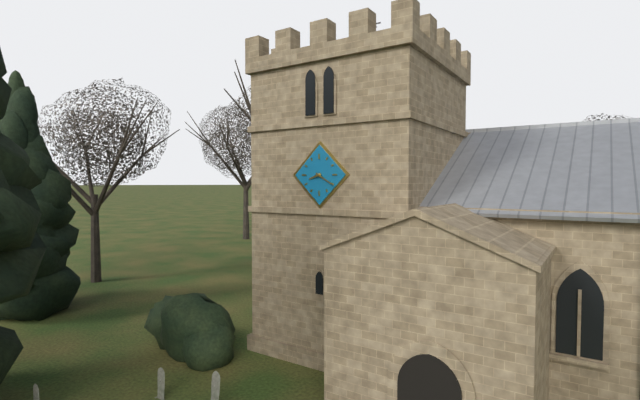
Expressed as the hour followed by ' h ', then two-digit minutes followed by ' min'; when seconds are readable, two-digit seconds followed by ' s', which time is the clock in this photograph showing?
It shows 8 h 20 min
